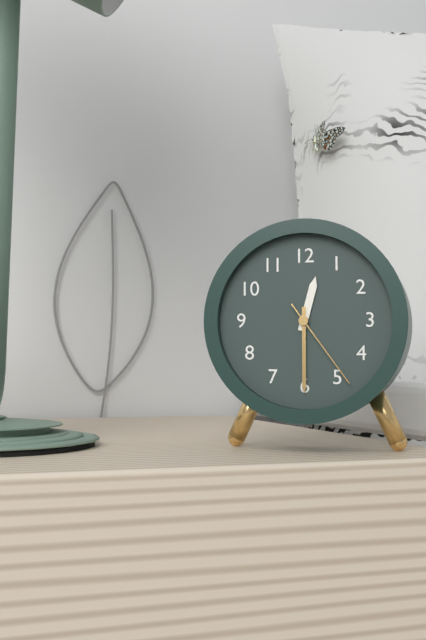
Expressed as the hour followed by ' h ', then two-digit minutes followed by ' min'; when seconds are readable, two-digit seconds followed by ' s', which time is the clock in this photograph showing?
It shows 12 h 30 min 24 s
